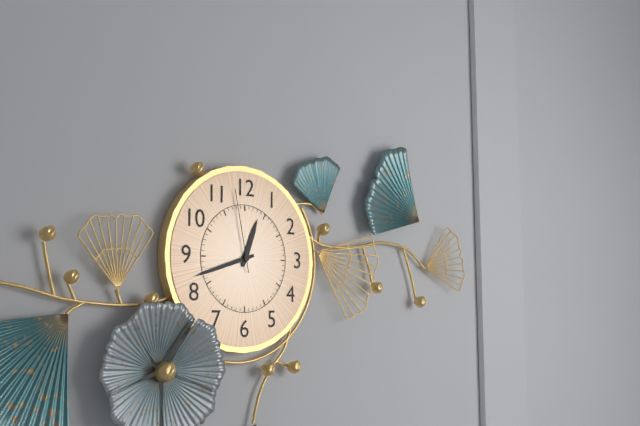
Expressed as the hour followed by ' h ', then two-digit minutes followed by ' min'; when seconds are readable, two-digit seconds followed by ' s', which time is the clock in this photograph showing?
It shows 12 h 42 min 58 s
